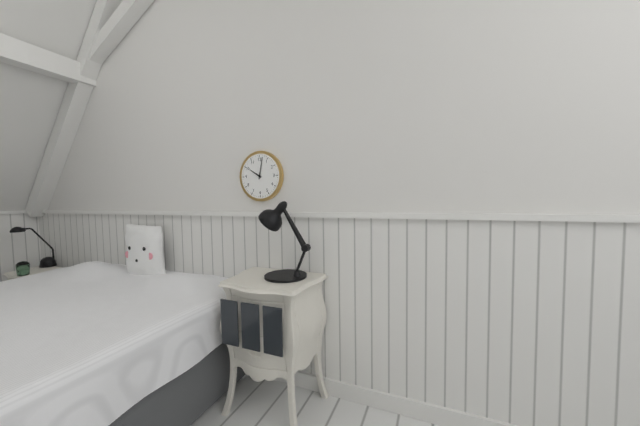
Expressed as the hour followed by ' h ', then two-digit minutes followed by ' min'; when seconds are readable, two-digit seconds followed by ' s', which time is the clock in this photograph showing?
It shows 10 h 02 min
